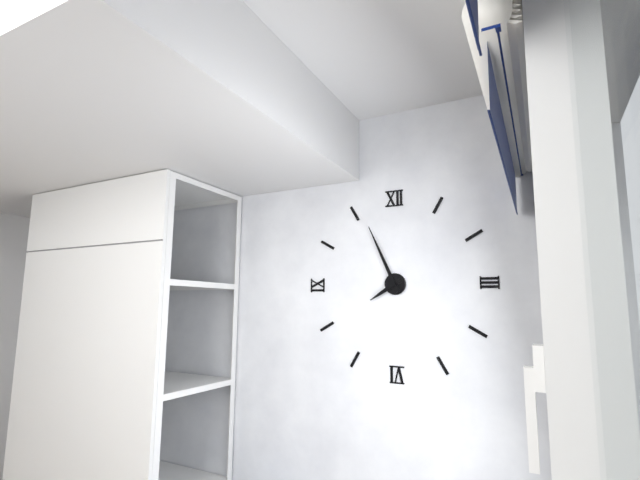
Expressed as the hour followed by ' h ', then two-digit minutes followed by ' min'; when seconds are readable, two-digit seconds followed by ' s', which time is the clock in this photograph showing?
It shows 7 h 56 min
